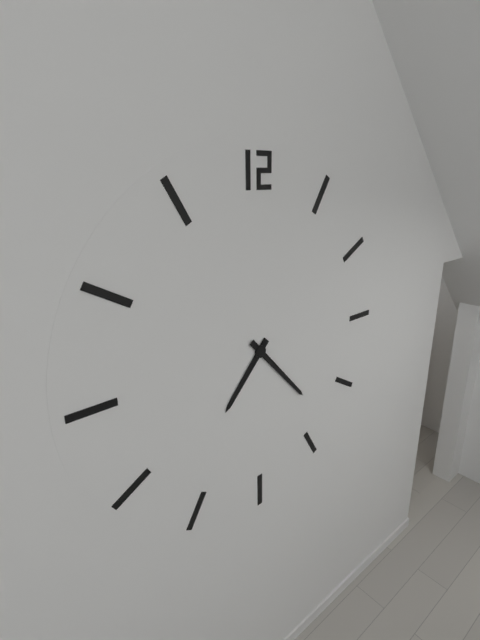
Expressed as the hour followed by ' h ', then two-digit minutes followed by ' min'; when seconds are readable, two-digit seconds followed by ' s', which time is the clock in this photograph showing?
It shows 7 h 23 min
